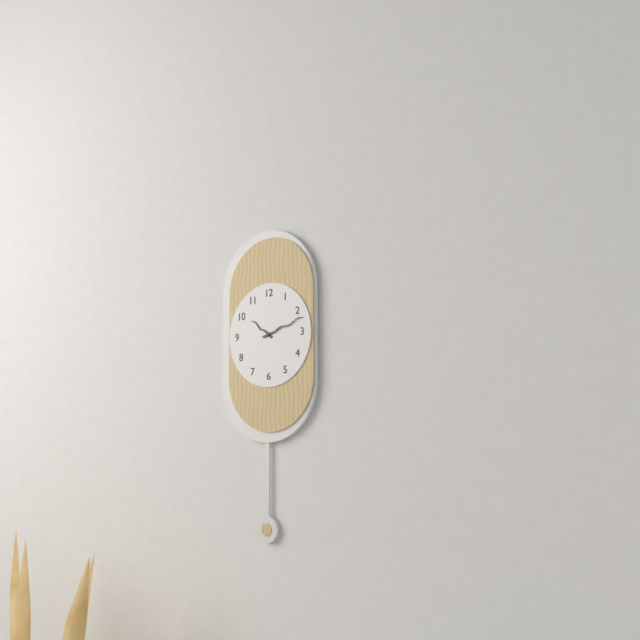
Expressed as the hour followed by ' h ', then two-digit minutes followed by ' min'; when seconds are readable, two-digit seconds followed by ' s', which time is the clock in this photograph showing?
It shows 10 h 12 min
